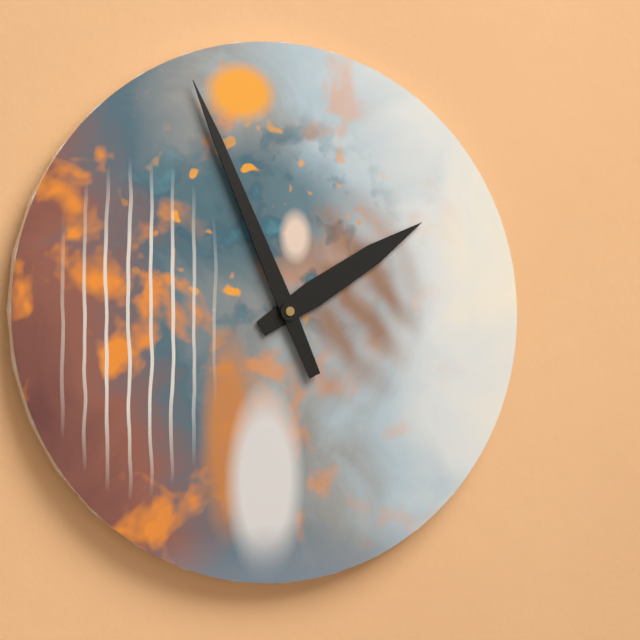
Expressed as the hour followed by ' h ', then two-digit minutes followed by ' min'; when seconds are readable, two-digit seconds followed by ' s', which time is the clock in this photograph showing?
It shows 1 h 56 min
